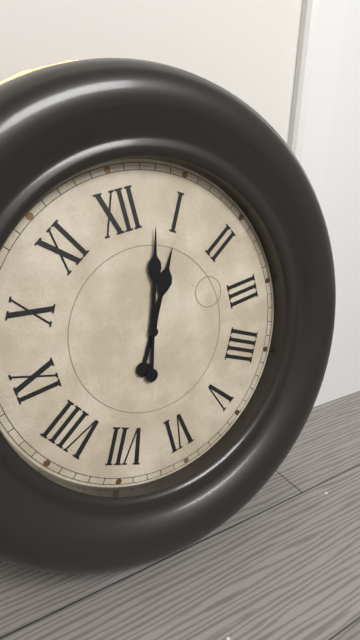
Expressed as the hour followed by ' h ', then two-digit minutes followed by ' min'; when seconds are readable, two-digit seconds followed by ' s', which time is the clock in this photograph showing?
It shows 1 h 03 min
